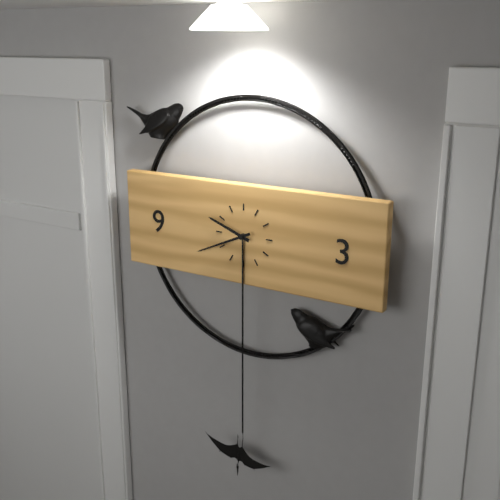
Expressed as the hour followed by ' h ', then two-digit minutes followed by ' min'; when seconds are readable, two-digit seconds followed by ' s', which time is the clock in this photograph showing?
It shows 9 h 41 min
